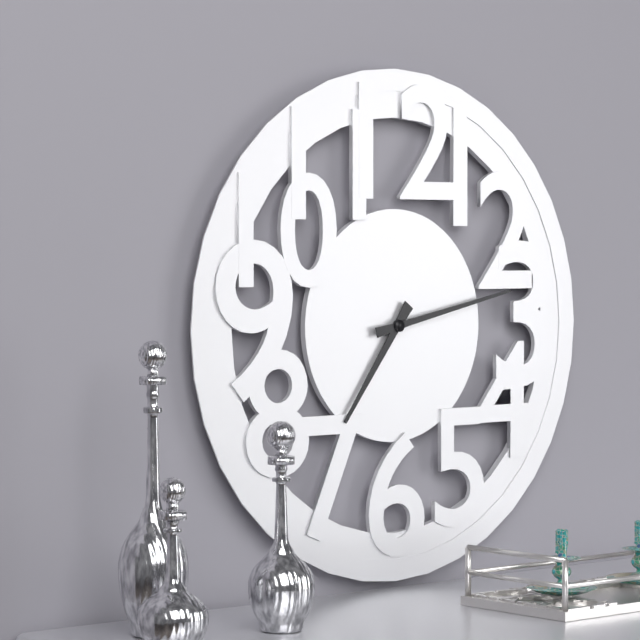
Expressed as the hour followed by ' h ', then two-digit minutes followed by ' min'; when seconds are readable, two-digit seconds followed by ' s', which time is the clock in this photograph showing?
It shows 7 h 13 min
